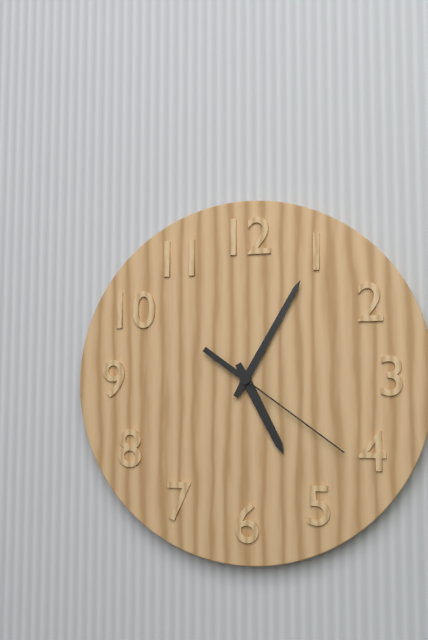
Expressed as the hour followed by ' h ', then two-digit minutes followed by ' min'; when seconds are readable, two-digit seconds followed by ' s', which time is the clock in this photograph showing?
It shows 5 h 05 min 21 s
